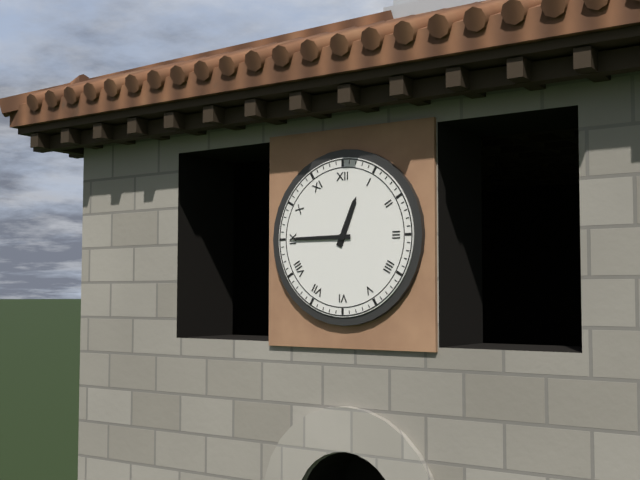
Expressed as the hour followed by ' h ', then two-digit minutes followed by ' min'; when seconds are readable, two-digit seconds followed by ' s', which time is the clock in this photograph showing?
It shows 12 h 45 min
